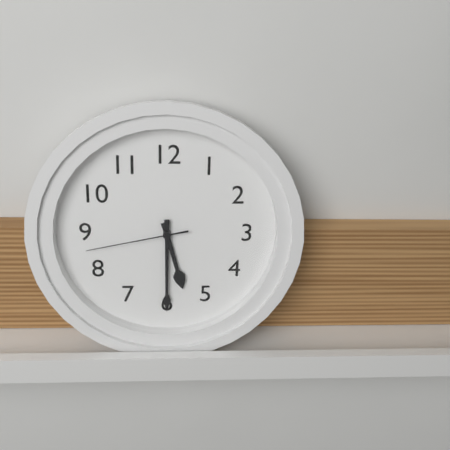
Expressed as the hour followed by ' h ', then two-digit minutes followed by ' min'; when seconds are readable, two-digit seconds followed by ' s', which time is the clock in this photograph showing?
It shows 5 h 30 min 43 s
